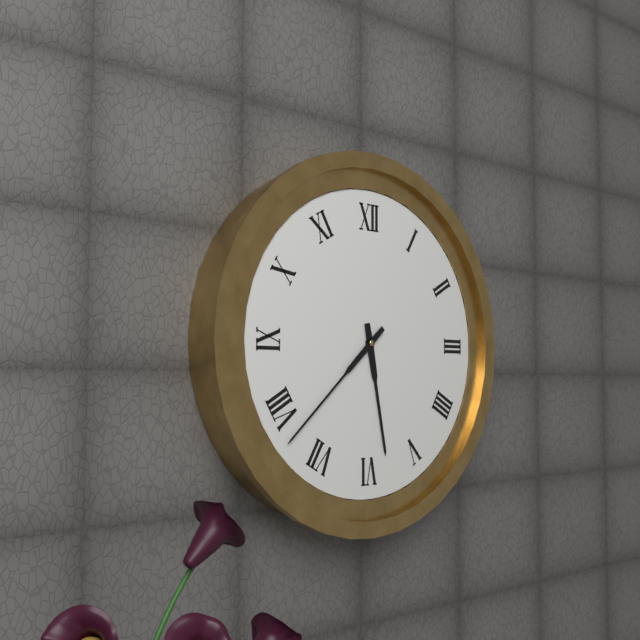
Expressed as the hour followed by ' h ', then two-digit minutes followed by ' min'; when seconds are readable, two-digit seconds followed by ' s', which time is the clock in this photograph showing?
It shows 5 h 38 min
